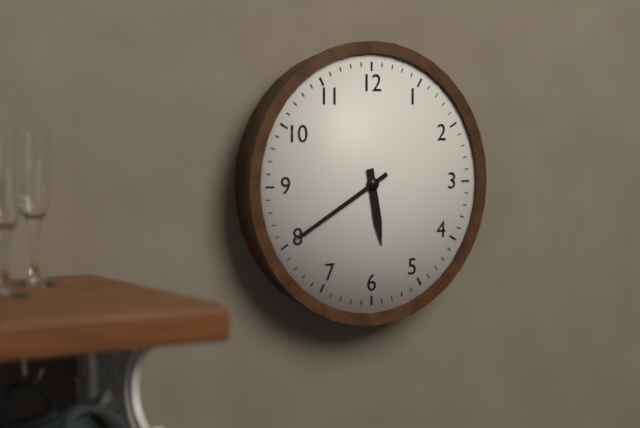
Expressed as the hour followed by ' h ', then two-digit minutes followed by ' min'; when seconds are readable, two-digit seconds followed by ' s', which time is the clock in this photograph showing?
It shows 5 h 40 min
